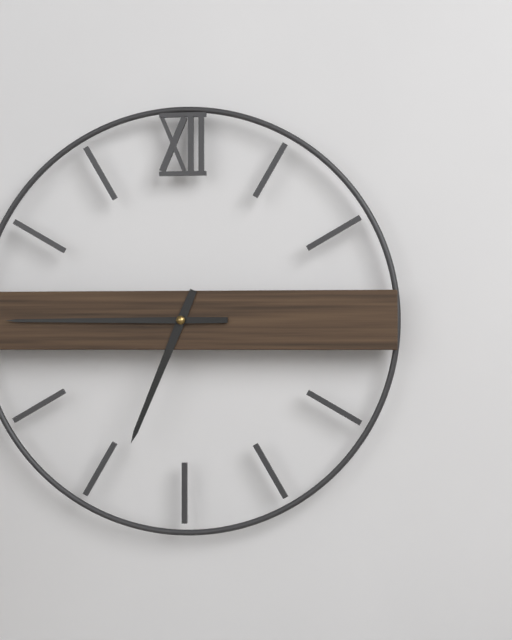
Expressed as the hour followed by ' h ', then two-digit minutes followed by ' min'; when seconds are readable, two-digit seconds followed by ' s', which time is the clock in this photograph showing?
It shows 6 h 45 min
